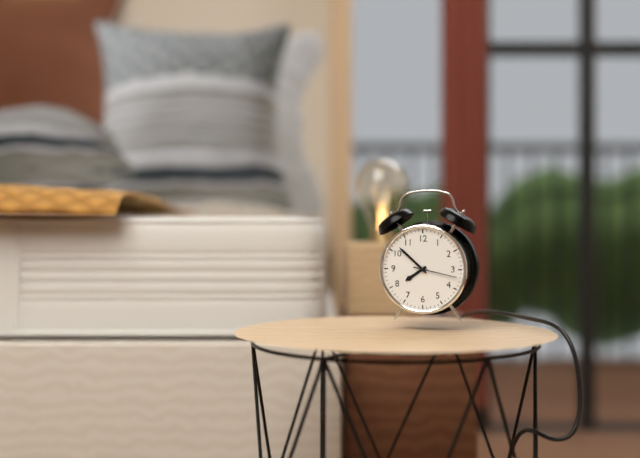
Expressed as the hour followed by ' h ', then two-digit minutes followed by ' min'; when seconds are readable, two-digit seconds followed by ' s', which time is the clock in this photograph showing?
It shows 7 h 52 min
